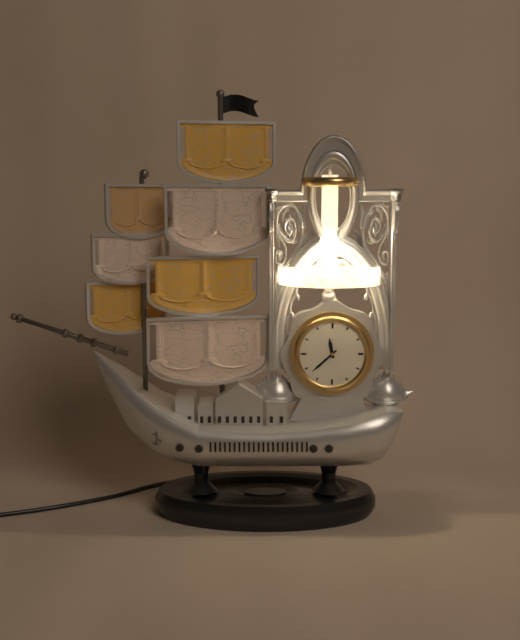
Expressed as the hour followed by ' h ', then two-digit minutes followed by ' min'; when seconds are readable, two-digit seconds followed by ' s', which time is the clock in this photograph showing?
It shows 11 h 38 min
